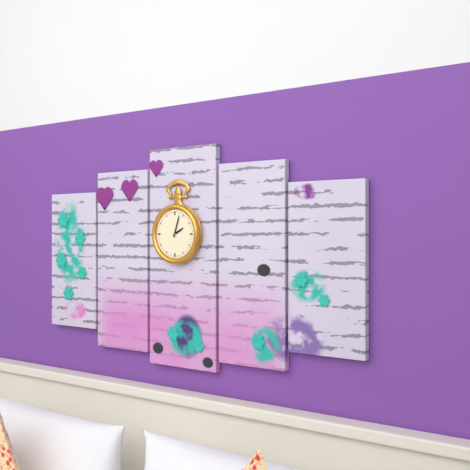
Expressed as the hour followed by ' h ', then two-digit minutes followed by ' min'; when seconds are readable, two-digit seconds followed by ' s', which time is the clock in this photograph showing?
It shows 2 h 03 min
